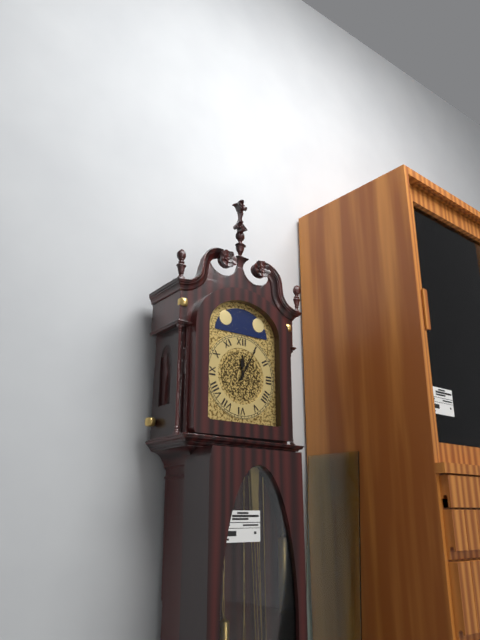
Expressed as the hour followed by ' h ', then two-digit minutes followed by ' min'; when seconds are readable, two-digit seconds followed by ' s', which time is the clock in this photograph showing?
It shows 12 h 05 min
